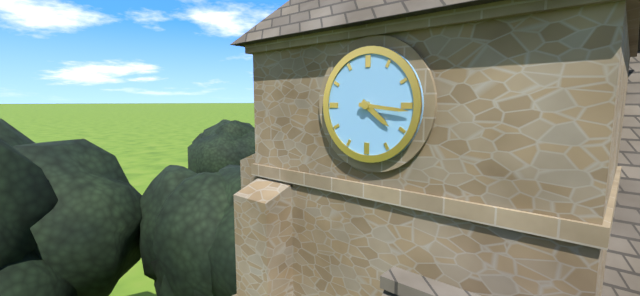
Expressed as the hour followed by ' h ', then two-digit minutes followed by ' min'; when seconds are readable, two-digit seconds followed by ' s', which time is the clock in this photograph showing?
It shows 4 h 16 min
